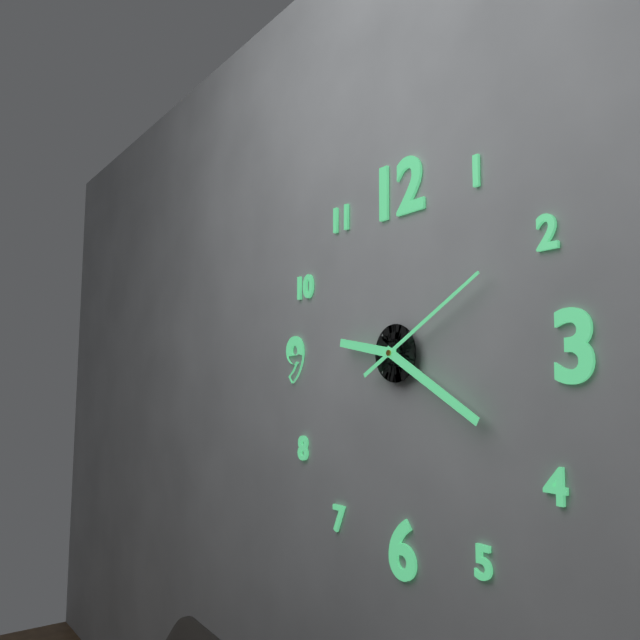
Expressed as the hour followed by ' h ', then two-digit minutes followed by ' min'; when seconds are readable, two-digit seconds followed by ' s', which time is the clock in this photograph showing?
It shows 9 h 20 min 10 s
